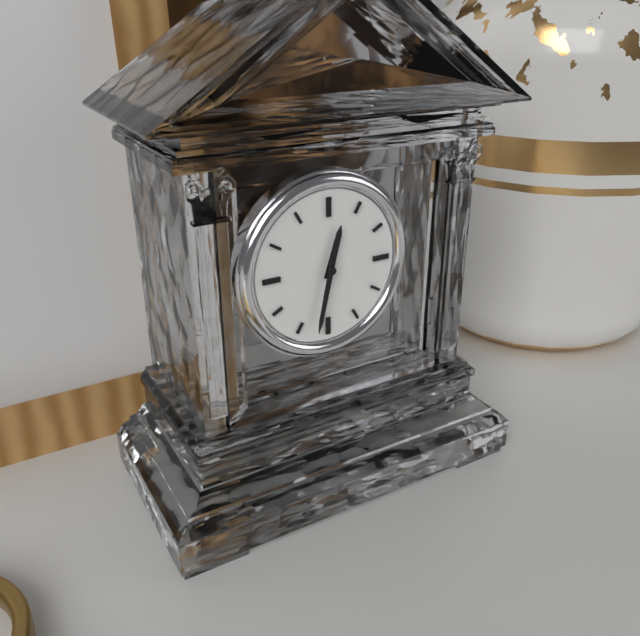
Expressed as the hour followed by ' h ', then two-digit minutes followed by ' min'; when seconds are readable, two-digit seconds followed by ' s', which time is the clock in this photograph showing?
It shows 12 h 32 min
